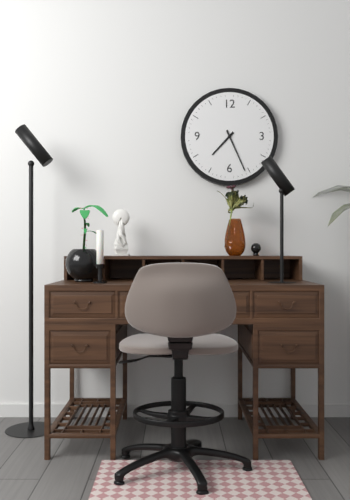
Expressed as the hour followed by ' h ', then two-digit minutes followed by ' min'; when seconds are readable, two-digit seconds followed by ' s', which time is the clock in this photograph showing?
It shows 7 h 26 min
